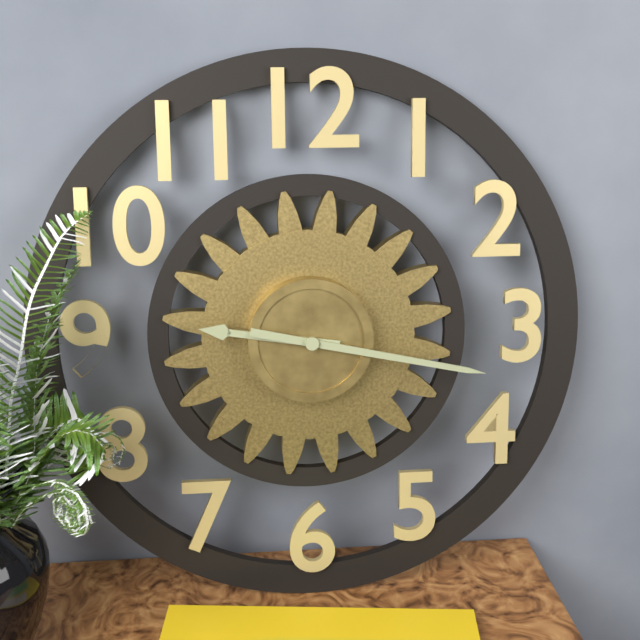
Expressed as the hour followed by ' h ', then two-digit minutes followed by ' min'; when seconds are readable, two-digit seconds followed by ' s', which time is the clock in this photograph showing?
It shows 9 h 17 min
